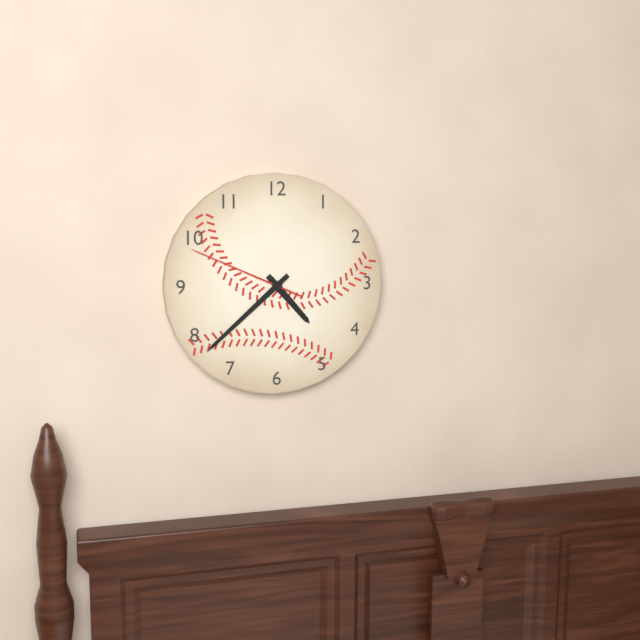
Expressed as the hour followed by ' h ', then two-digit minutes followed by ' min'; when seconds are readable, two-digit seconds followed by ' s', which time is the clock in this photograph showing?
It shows 4 h 38 min 49 s
